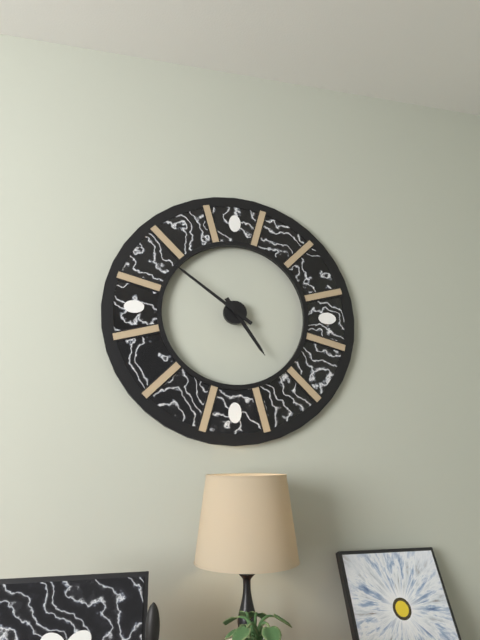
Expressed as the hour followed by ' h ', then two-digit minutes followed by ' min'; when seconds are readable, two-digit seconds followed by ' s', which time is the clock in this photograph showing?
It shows 4 h 51 min
